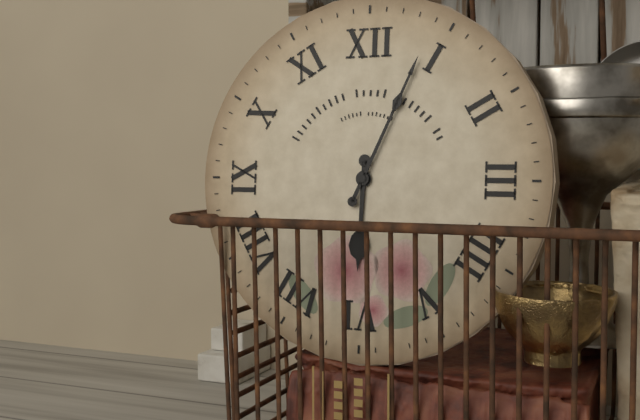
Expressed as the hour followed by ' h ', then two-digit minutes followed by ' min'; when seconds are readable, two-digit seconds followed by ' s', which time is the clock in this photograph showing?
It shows 6 h 04 min
